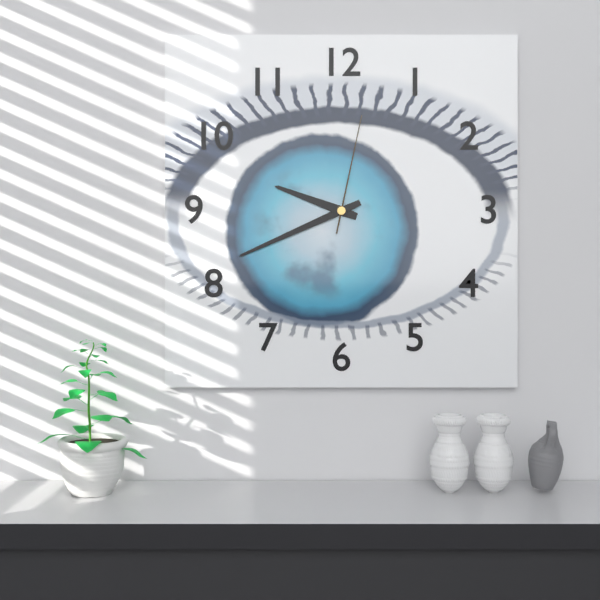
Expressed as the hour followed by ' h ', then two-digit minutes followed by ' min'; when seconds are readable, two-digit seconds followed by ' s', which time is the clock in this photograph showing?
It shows 9 h 41 min 02 s
